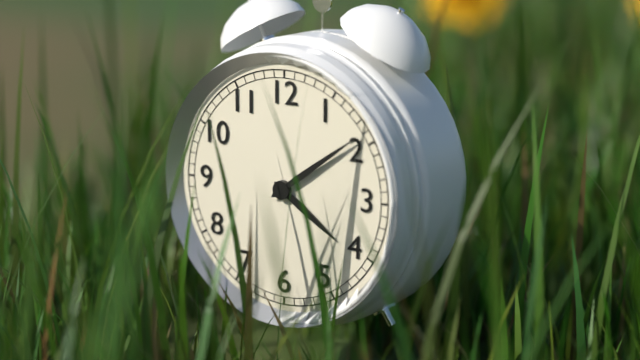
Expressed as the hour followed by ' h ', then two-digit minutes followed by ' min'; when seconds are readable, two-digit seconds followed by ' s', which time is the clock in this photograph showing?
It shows 4 h 09 min
